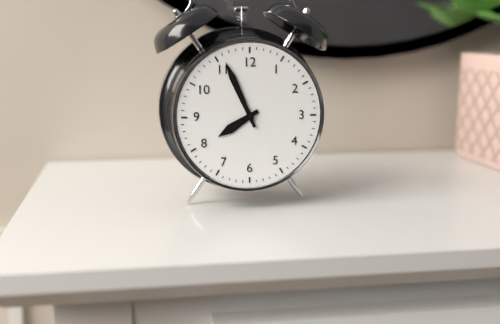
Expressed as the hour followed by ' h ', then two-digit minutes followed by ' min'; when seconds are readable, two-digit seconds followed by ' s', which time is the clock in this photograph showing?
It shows 7 h 56 min
